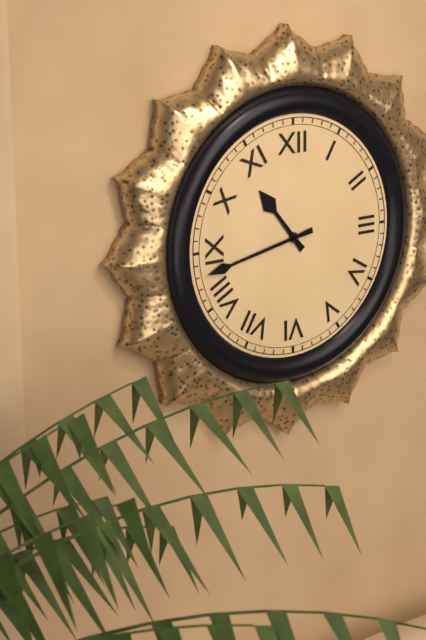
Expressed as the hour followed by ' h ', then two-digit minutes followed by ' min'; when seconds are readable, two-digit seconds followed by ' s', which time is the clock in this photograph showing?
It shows 10 h 43 min
